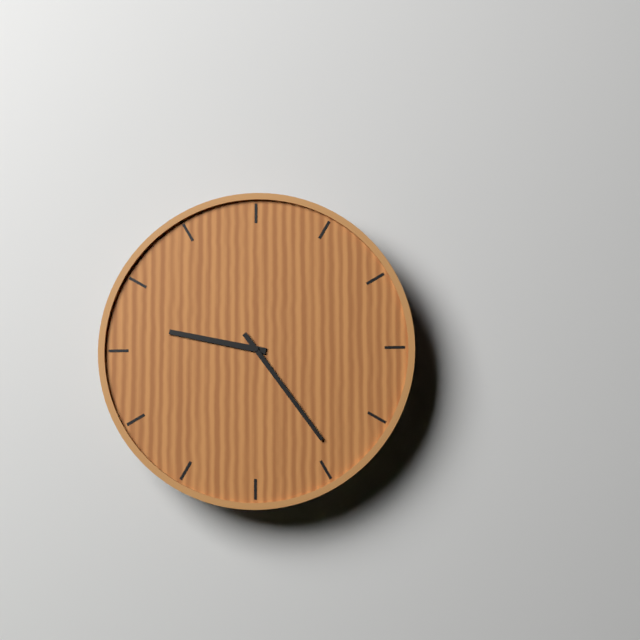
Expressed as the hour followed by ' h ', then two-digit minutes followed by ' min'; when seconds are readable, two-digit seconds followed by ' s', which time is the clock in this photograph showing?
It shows 9 h 24 min
